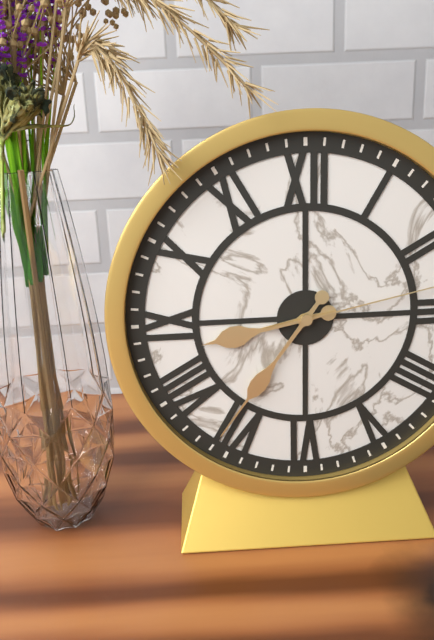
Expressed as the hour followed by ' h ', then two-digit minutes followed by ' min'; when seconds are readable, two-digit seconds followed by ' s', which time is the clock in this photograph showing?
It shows 8 h 36 min
